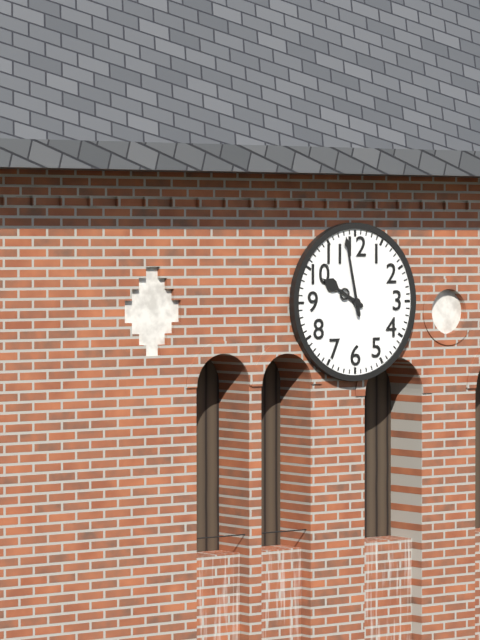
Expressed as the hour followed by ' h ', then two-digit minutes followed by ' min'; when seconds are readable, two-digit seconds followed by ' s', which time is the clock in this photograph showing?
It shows 9 h 58 min
